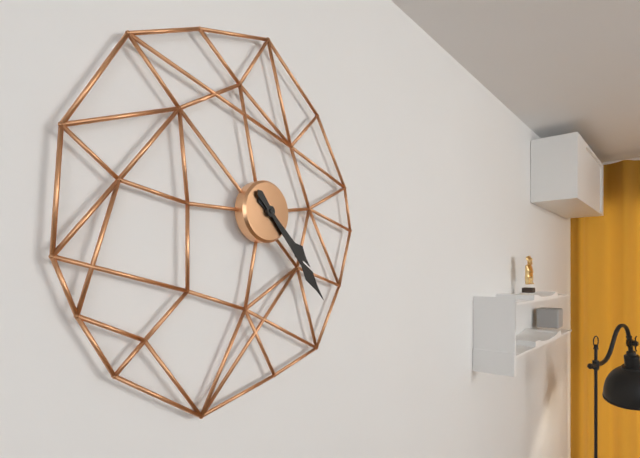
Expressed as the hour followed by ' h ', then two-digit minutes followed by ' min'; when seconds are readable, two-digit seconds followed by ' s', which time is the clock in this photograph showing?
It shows 4 h 23 min
